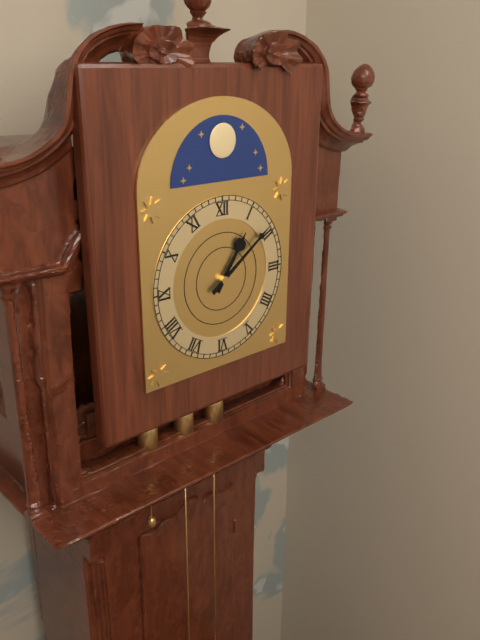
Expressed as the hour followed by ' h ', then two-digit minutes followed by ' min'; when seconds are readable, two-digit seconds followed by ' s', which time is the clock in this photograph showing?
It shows 1 h 09 min
